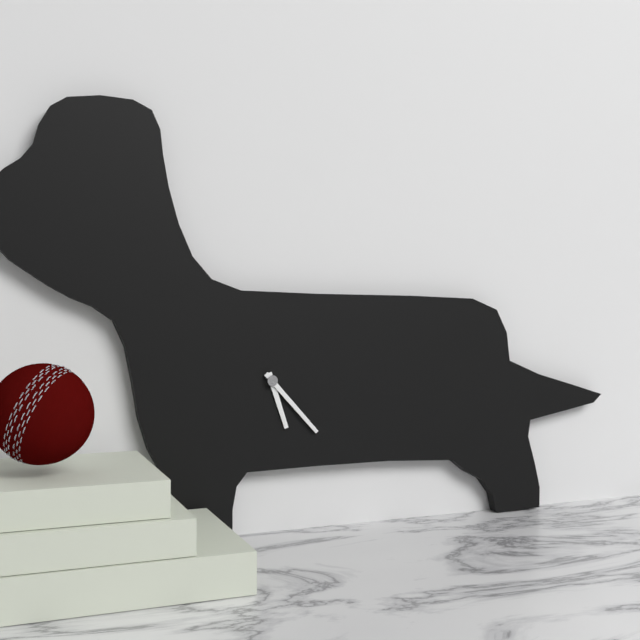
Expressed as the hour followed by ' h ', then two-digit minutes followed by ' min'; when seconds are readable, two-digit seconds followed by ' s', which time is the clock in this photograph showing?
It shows 5 h 23 min
